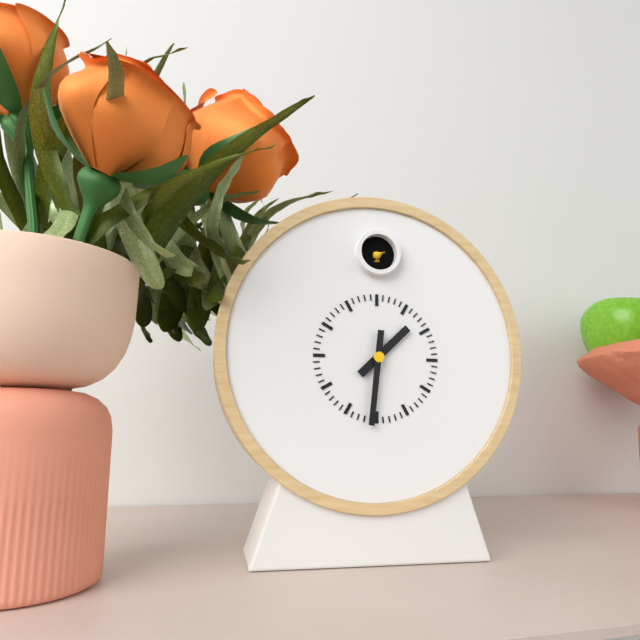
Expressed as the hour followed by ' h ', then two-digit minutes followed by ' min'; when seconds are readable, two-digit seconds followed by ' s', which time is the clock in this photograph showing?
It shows 1 h 31 min
